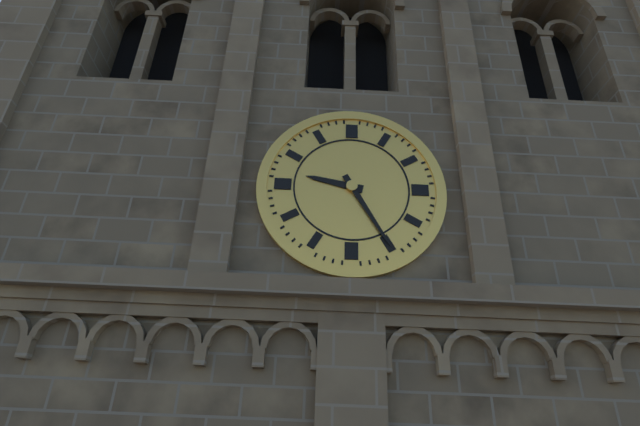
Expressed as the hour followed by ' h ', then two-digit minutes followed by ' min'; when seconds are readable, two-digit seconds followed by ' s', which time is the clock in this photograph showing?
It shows 9 h 25 min
